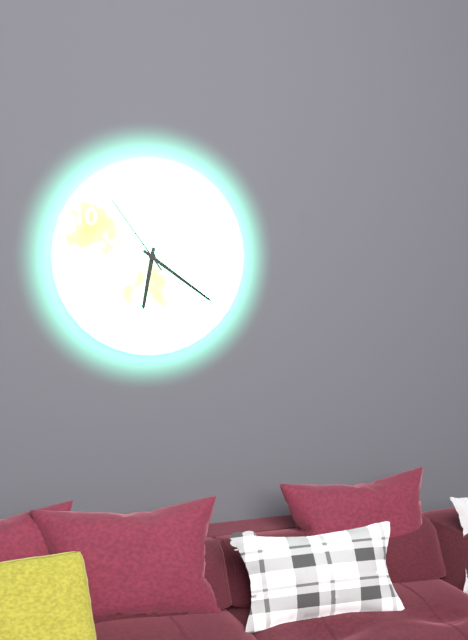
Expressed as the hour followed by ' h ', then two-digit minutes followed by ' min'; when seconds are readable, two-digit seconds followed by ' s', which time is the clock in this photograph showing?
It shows 6 h 21 min 54 s
